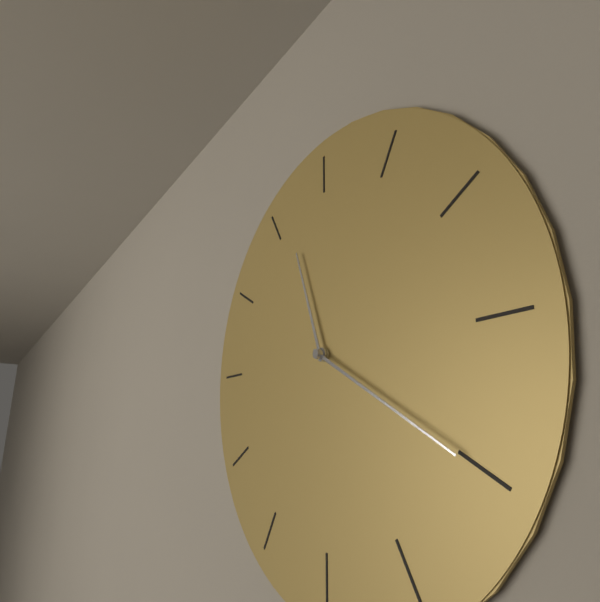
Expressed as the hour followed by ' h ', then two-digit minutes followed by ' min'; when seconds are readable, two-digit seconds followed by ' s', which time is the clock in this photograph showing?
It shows 11 h 20 min
